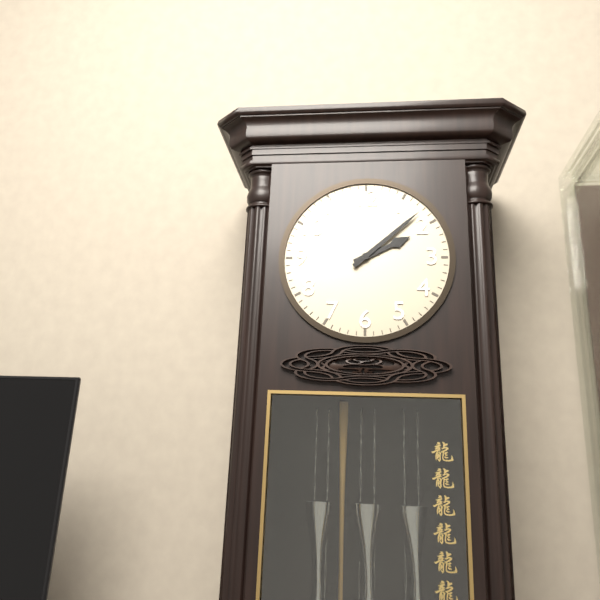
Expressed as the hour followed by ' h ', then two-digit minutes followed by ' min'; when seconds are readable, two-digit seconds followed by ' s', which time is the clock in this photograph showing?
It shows 2 h 08 min
